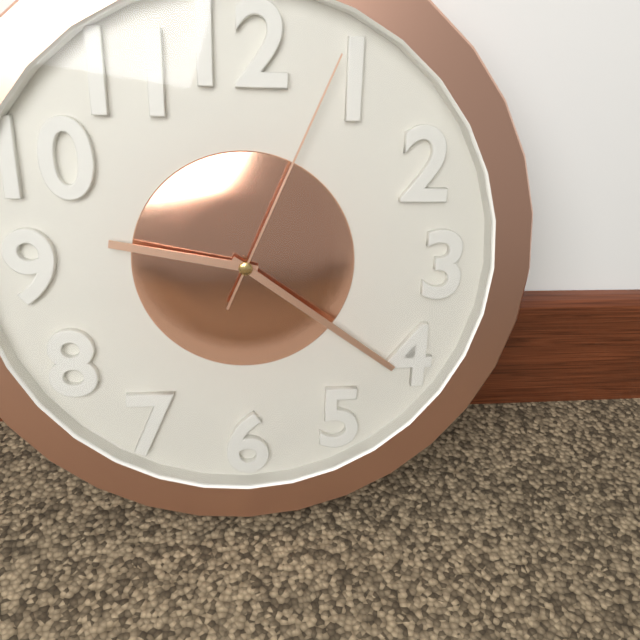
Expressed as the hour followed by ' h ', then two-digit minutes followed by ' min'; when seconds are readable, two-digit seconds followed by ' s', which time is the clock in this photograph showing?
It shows 9 h 21 min 04 s
